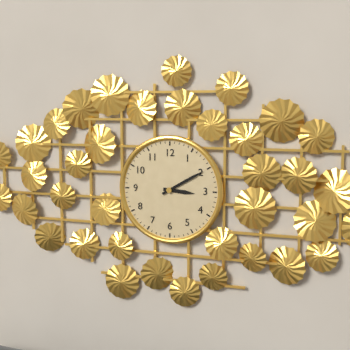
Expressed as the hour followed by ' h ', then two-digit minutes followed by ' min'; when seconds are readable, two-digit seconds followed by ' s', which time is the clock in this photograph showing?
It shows 3 h 10 min
